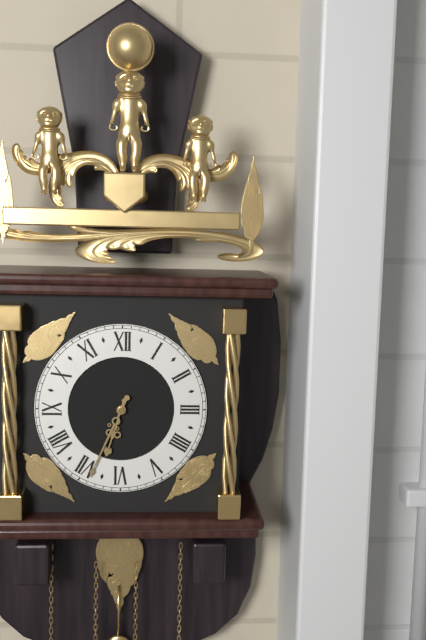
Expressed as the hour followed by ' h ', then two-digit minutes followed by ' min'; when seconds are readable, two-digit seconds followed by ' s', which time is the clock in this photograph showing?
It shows 6 h 34 min
